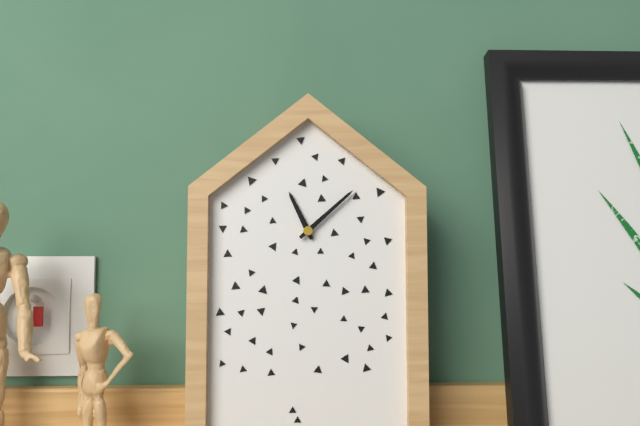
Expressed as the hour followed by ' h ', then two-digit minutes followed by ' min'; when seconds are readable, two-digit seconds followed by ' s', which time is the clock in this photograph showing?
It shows 11 h 08 min
